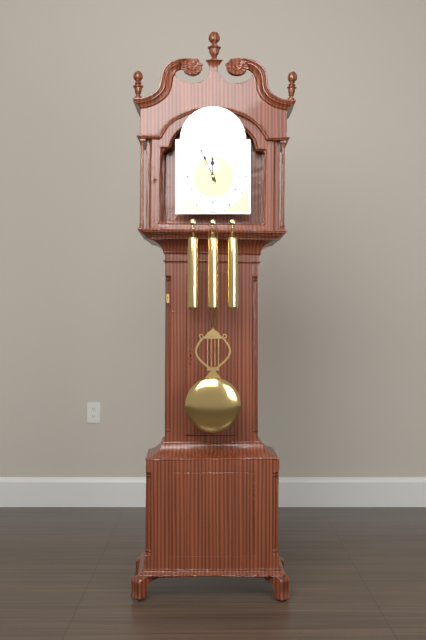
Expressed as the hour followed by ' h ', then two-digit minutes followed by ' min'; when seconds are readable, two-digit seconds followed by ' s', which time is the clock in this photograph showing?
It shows 11 h 56 min
